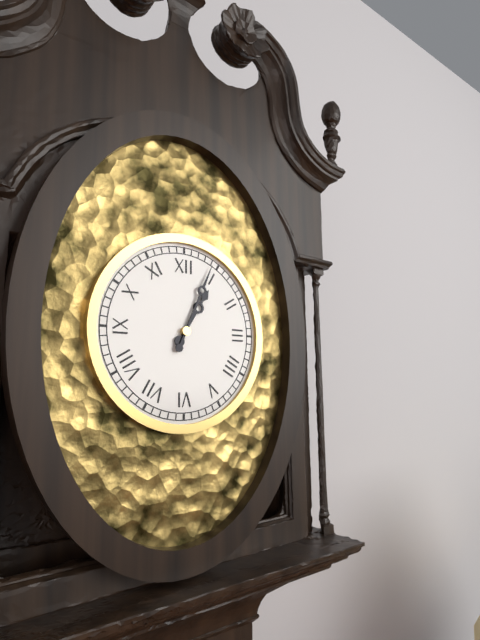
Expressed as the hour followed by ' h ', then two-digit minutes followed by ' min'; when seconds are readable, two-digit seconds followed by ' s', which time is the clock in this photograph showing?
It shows 1 h 04 min
